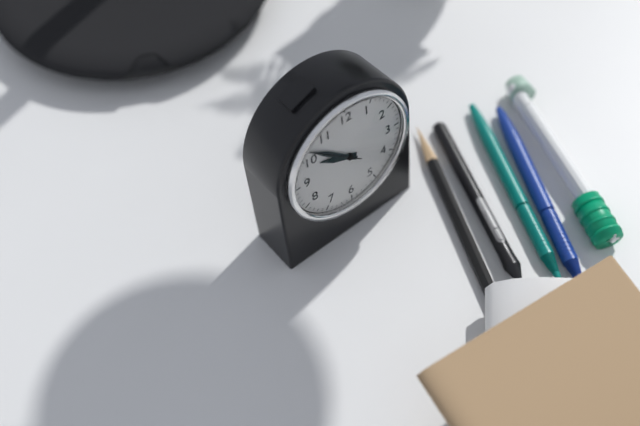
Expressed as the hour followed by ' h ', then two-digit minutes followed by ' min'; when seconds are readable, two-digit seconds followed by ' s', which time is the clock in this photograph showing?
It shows 9 h 52 min 52 s
